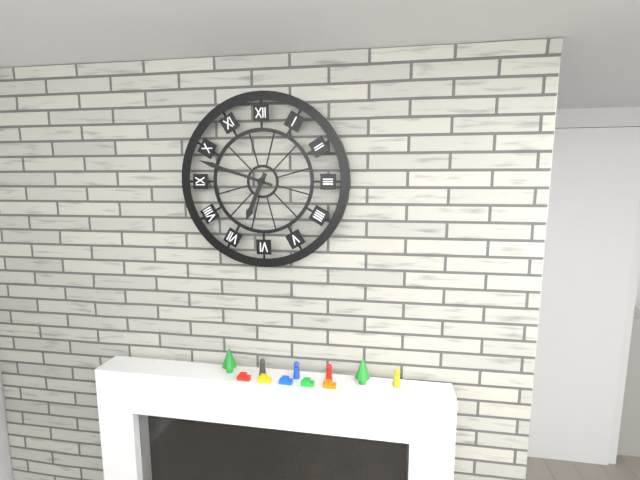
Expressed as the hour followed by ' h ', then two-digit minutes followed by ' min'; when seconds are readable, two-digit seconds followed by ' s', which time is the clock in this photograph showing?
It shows 6 h 48 min
